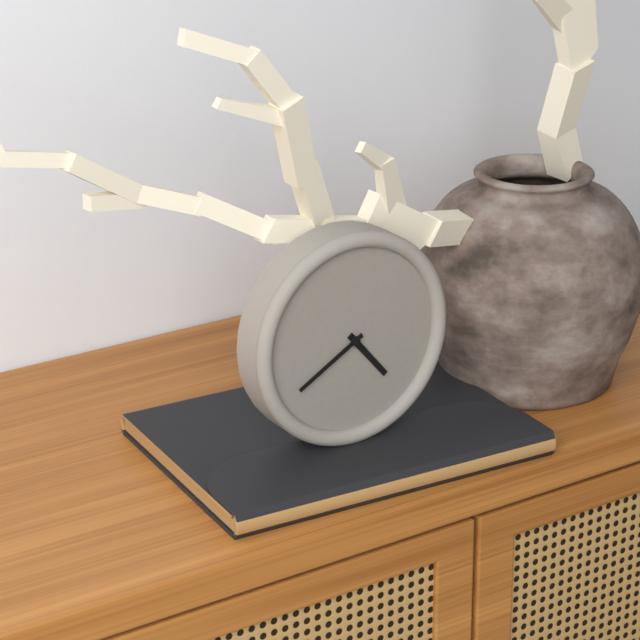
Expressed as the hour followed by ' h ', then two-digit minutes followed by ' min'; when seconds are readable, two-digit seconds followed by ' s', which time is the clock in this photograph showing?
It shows 4 h 40 min
